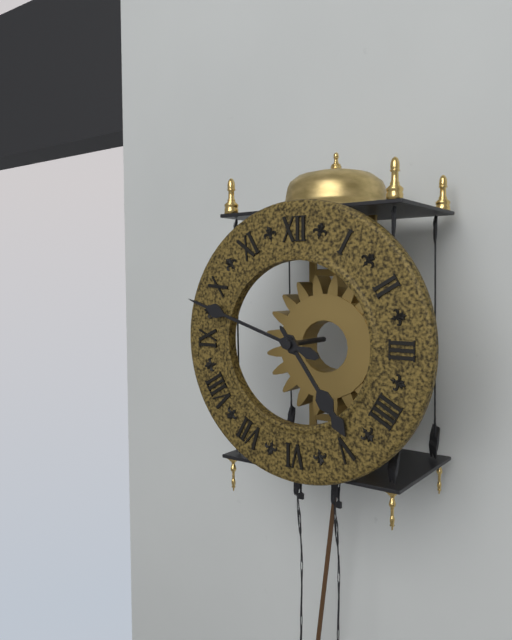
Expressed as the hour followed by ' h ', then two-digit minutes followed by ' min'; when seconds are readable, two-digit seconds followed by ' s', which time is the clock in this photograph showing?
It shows 4 h 48 min
